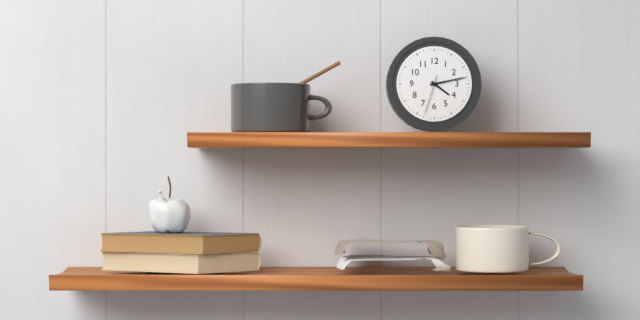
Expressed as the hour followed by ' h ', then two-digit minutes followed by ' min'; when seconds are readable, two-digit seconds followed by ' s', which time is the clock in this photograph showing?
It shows 4 h 13 min
